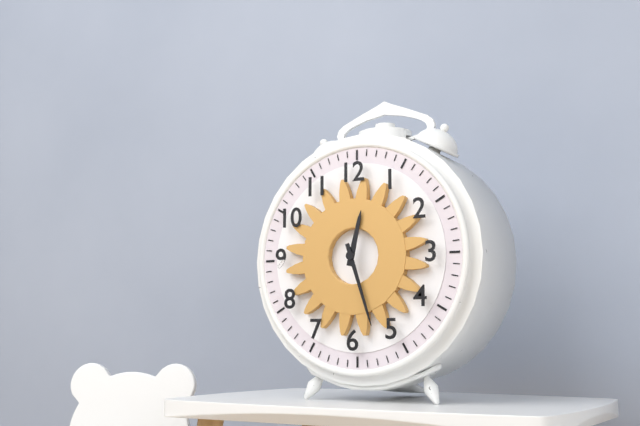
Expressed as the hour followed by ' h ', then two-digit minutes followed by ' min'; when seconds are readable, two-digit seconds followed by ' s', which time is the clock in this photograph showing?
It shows 12 h 27 min
